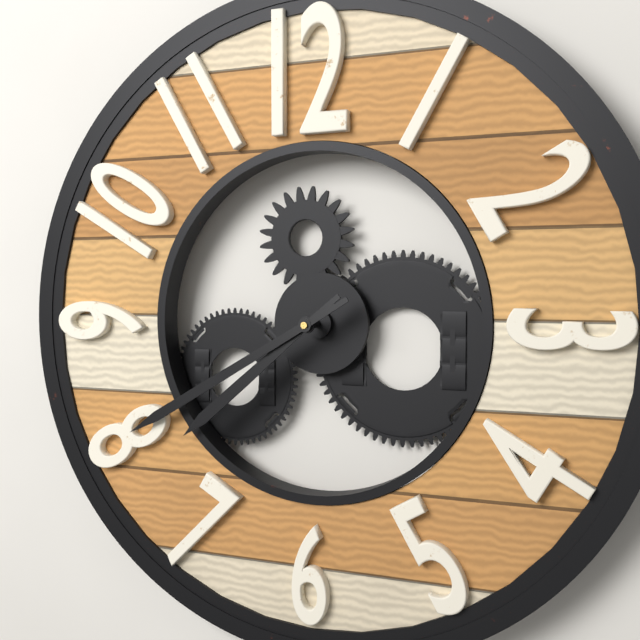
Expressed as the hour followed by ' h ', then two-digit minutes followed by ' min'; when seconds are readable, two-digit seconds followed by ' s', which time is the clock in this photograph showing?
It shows 7 h 40 min
